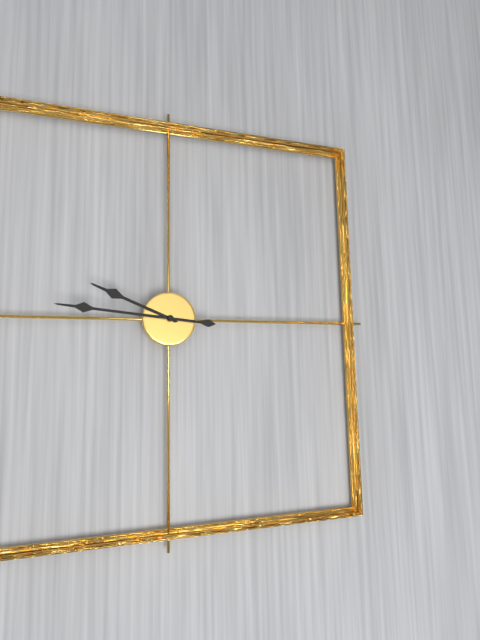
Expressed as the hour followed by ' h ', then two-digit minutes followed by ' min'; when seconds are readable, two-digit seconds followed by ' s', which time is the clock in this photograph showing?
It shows 9 h 46 min
